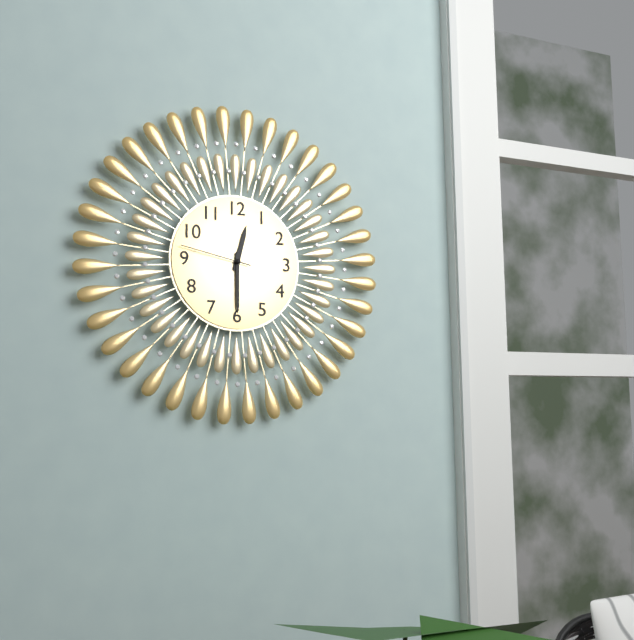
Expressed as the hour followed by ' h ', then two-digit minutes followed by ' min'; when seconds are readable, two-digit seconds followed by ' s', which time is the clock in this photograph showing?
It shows 12 h 30 min 47 s
